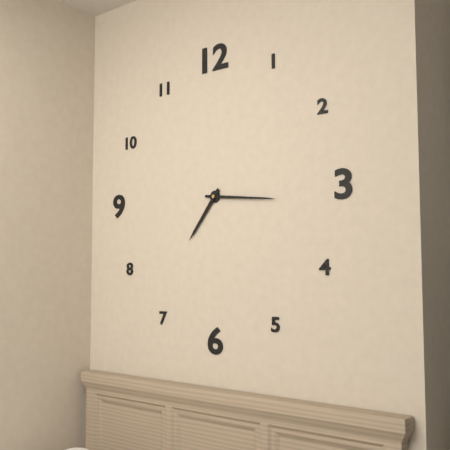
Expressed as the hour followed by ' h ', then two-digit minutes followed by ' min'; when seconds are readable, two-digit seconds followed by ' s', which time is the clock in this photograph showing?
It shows 7 h 16 min
